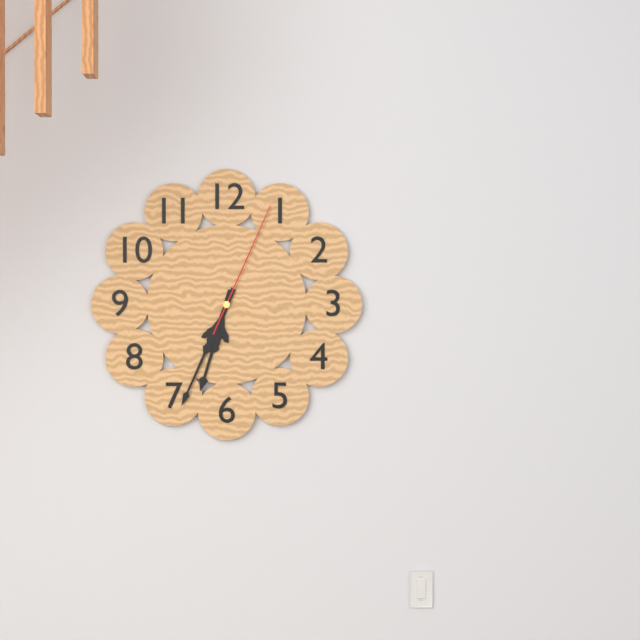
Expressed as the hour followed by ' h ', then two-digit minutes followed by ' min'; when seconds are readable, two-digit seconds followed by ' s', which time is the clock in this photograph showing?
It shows 6 h 34 min 04 s
